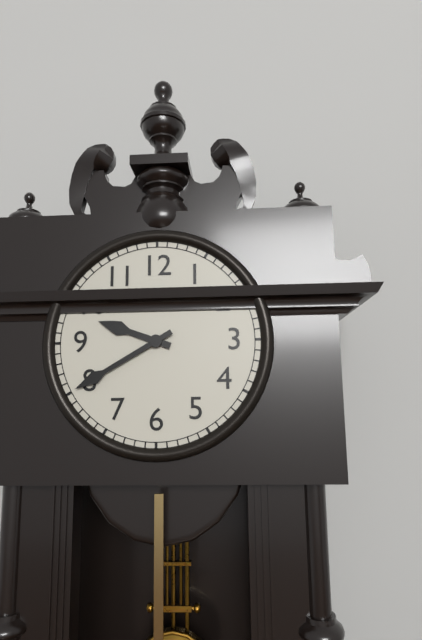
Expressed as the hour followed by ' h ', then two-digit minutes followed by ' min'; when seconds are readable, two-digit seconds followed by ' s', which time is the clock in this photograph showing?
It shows 9 h 40 min
